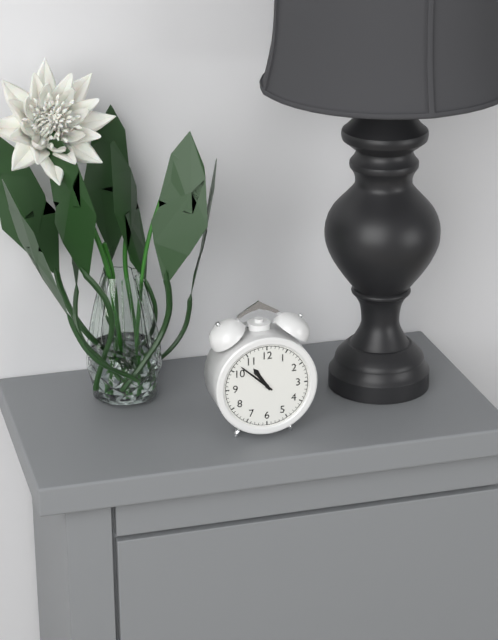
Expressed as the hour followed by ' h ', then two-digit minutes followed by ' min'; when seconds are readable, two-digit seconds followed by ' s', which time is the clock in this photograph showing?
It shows 10 h 52 min
